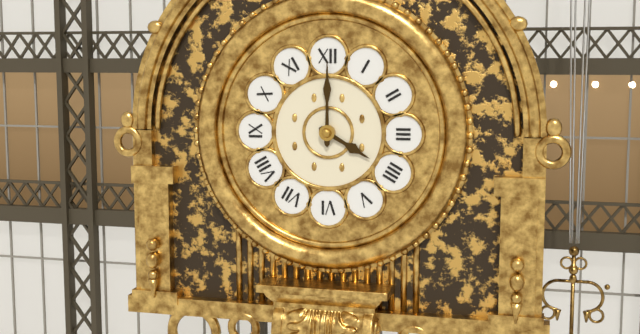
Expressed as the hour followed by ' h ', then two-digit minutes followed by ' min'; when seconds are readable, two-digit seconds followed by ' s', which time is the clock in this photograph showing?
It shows 4 h 00 min
